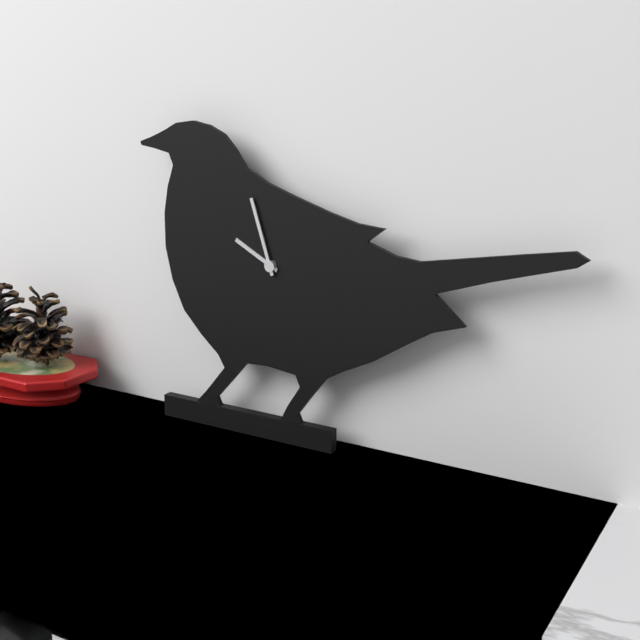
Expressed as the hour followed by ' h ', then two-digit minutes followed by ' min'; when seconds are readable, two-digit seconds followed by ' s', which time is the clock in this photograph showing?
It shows 9 h 57 min
